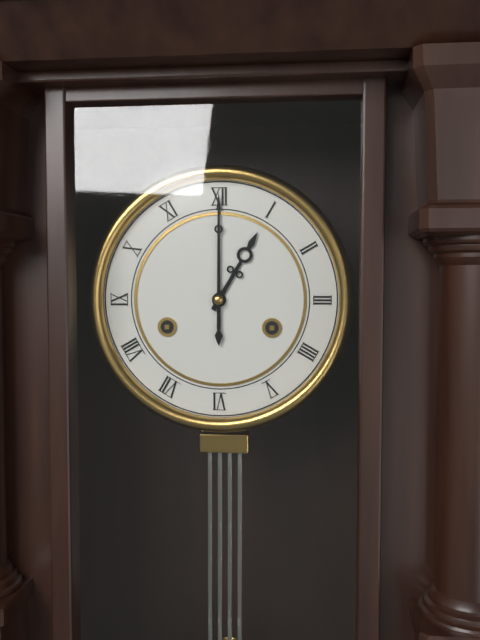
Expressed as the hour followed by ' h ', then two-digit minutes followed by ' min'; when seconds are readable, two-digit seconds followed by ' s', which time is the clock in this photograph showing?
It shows 1 h 00 min
